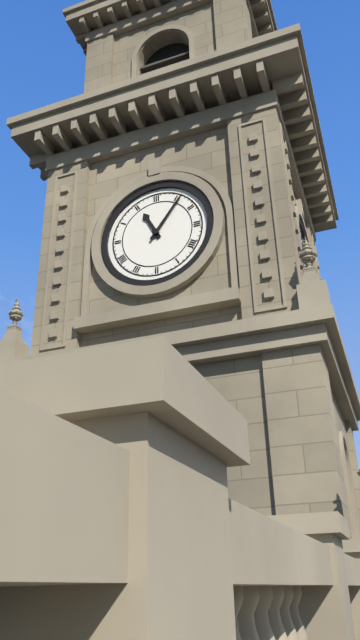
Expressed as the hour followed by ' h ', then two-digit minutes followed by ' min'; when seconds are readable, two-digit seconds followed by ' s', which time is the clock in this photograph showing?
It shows 11 h 06 min
